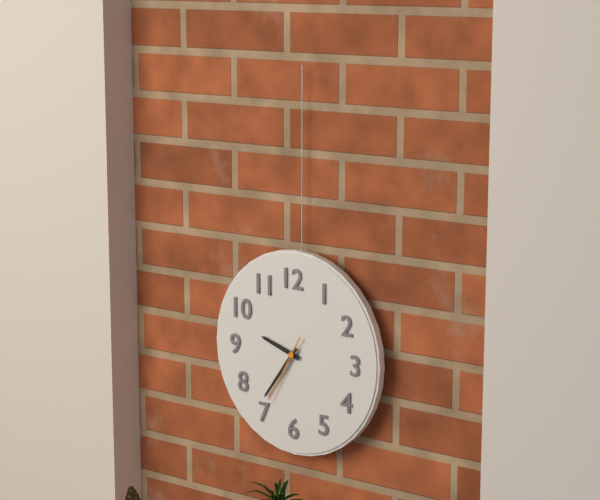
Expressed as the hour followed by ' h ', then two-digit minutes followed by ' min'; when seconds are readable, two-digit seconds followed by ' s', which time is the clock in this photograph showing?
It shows 9 h 36 min 35 s
